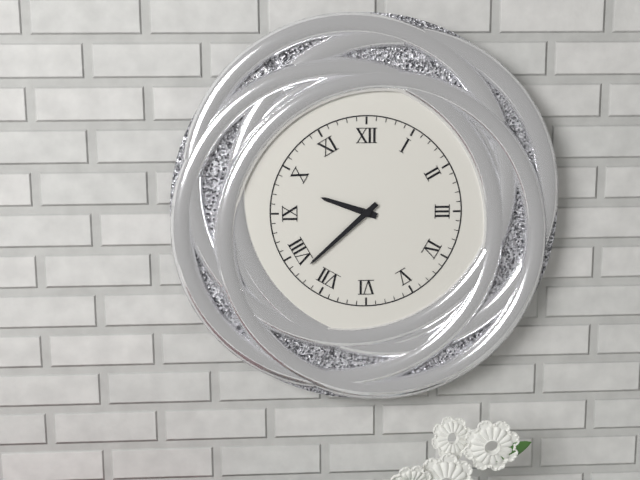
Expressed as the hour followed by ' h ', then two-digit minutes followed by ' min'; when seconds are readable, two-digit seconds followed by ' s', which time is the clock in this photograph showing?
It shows 9 h 38 min
